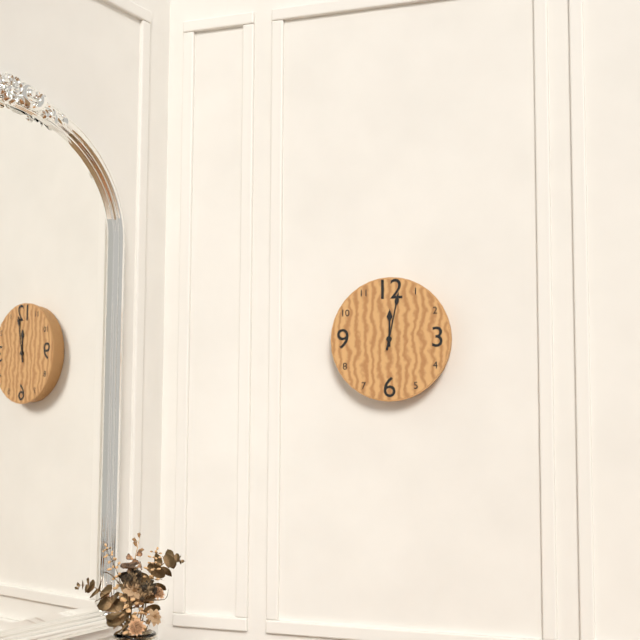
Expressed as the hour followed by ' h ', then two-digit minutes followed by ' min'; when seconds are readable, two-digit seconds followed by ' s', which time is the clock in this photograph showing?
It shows 12 h 02 min
